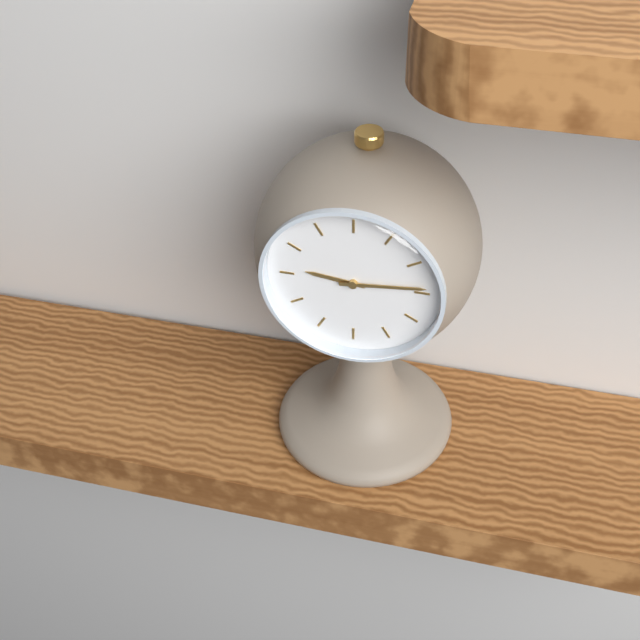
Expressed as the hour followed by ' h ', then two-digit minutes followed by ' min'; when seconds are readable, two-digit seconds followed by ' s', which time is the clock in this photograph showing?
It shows 9 h 14 min
